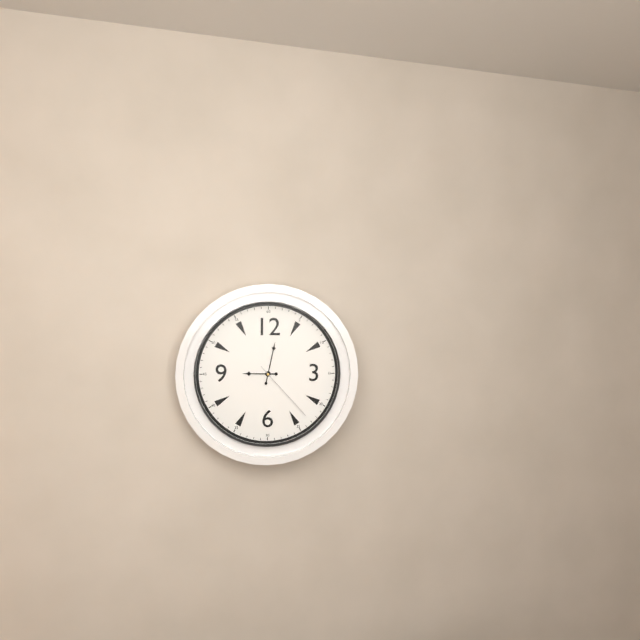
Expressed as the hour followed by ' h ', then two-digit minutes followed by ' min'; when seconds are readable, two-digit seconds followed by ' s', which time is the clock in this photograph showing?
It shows 9 h 02 min 23 s
